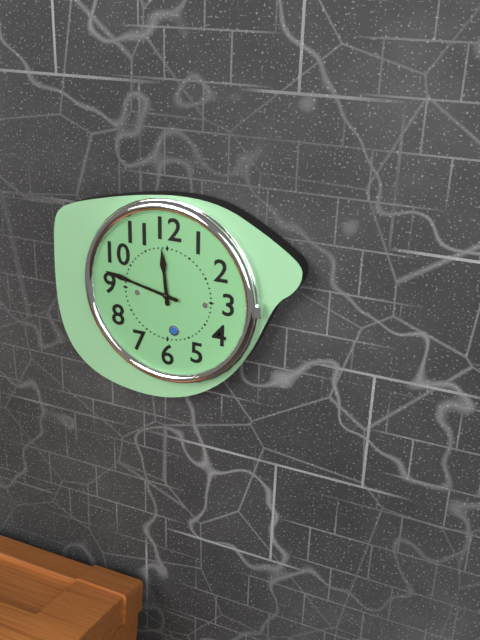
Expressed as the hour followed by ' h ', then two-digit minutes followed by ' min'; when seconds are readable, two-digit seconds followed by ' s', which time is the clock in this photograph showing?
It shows 11 h 47 min
